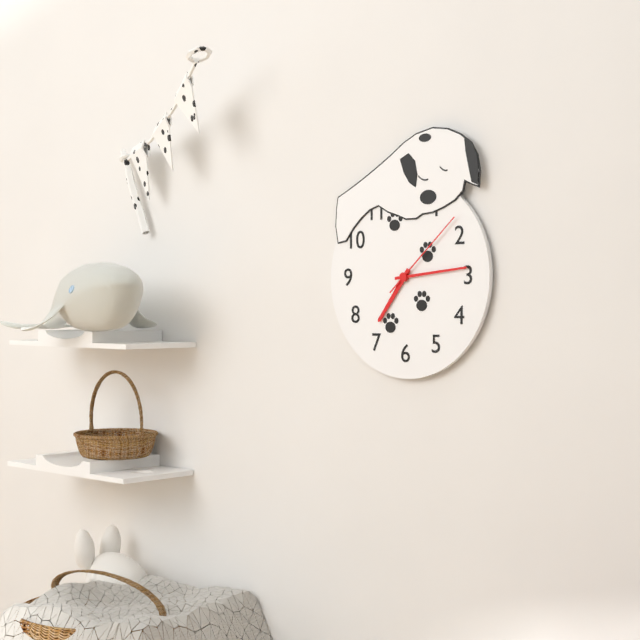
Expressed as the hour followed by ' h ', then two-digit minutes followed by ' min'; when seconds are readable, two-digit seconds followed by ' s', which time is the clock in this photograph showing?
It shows 7 h 14 min 08 s
